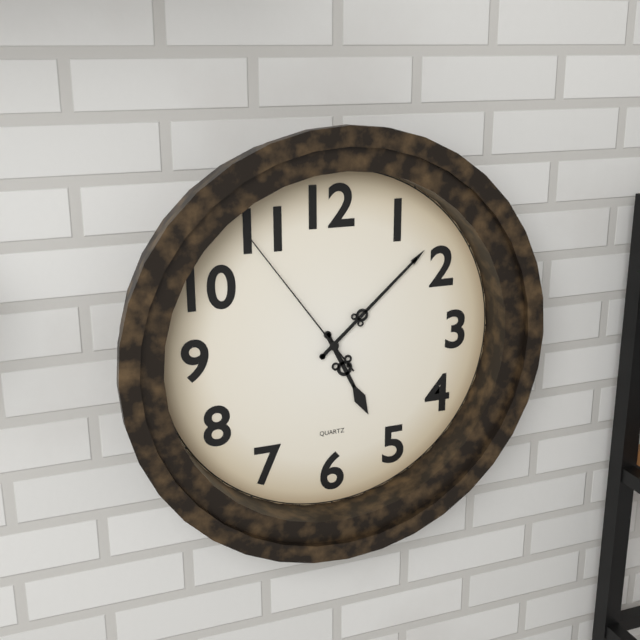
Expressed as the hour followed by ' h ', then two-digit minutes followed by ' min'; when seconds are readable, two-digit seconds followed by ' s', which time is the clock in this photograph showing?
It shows 5 h 08 min 54 s
